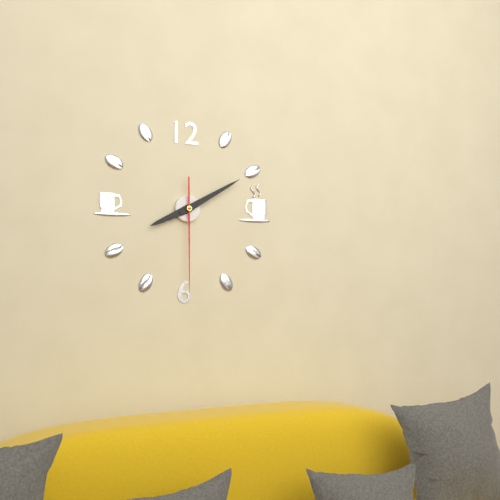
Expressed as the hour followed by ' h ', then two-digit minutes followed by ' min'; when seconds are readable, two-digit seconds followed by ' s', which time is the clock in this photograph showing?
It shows 8 h 10 min 30 s
